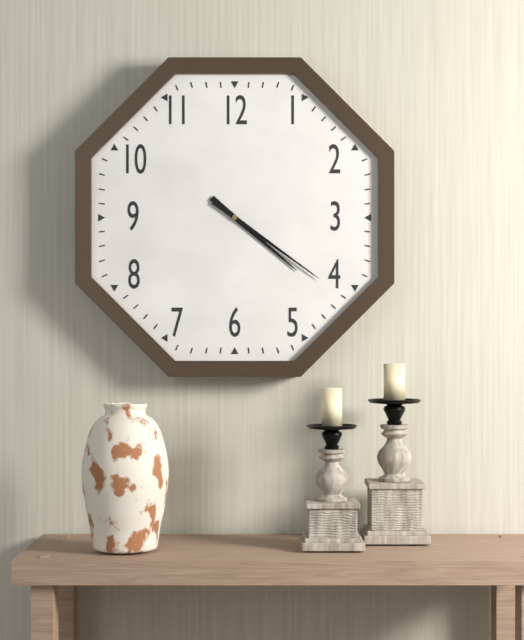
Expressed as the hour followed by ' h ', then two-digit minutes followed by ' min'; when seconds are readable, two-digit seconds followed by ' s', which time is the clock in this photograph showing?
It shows 4 h 21 min
